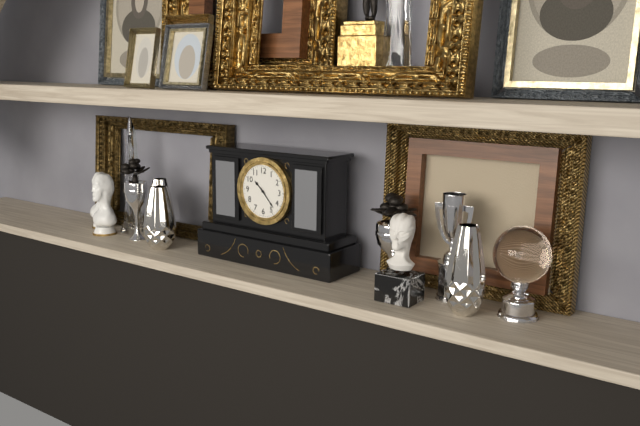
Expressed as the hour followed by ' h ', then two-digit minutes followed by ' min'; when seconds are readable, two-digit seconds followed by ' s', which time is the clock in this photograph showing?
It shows 10 h 23 min
